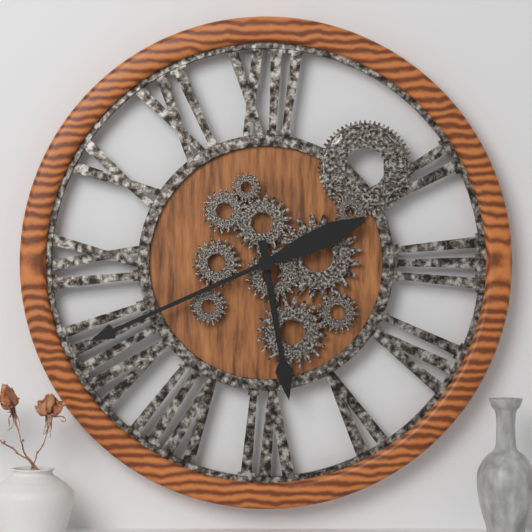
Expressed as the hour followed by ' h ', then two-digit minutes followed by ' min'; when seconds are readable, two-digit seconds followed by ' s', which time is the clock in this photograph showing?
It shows 5 h 41 min
